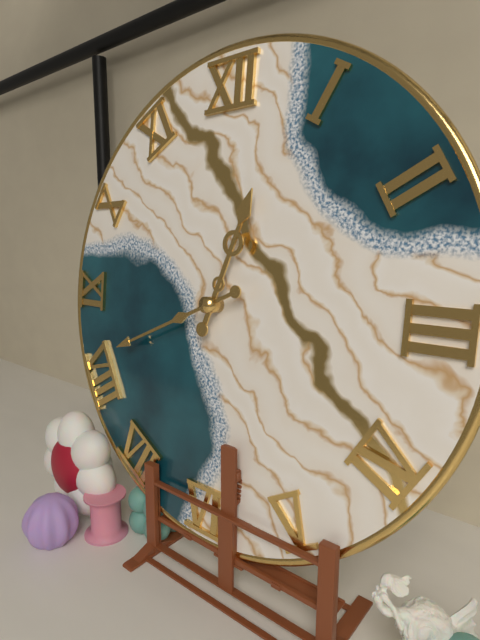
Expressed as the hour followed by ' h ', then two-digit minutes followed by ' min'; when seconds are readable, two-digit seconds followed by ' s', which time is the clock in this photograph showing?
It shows 12 h 41 min
